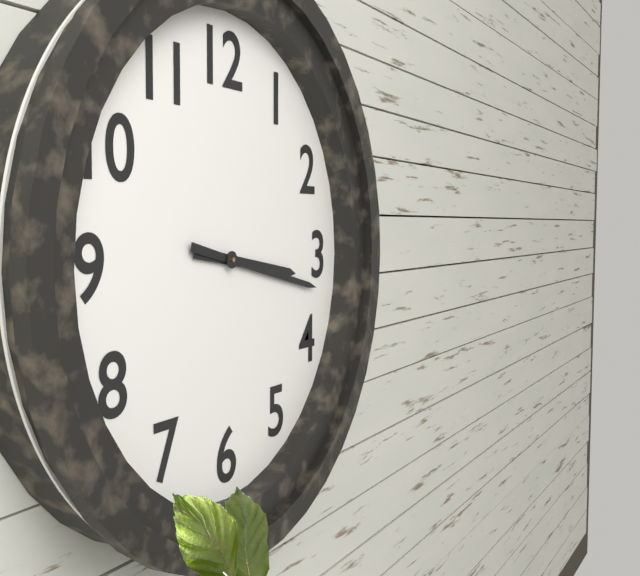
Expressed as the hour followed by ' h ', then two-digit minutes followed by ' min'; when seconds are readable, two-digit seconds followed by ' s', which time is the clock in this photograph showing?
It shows 3 h 17 min
